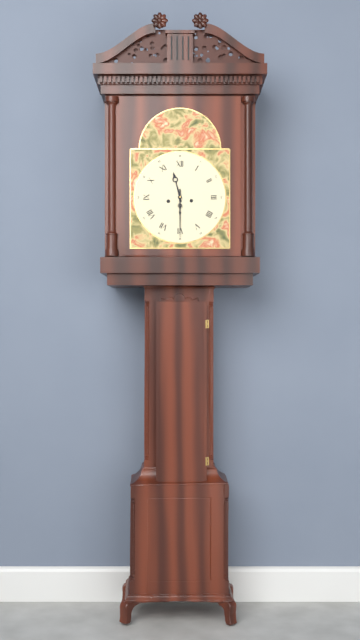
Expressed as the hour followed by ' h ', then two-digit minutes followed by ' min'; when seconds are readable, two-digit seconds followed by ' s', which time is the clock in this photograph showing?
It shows 11 h 30 min
